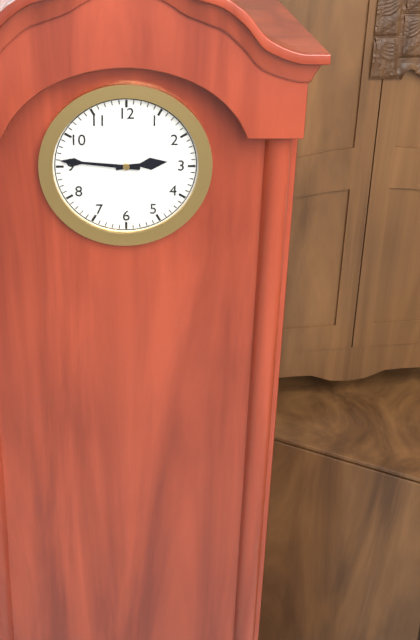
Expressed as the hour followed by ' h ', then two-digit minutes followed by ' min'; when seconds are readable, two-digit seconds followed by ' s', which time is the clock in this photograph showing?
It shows 2 h 46 min
